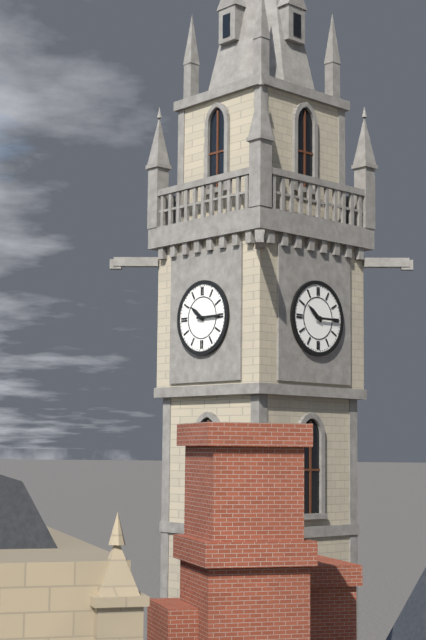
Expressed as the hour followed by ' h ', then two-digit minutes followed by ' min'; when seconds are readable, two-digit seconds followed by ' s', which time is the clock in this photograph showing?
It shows 10 h 15 min
